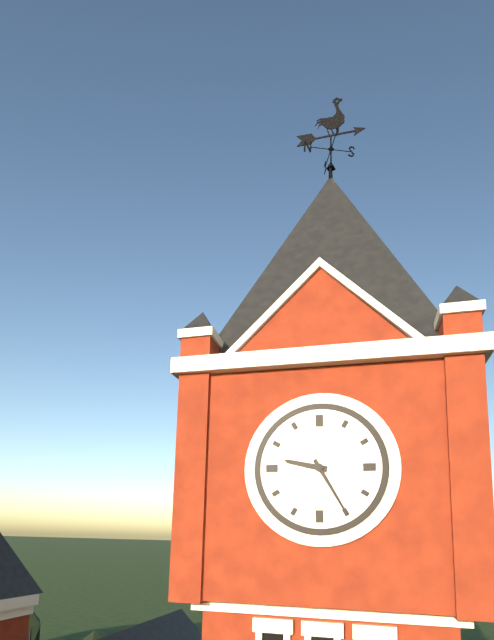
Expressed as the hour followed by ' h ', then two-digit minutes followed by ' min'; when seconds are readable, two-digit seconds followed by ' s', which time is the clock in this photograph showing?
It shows 9 h 25 min
